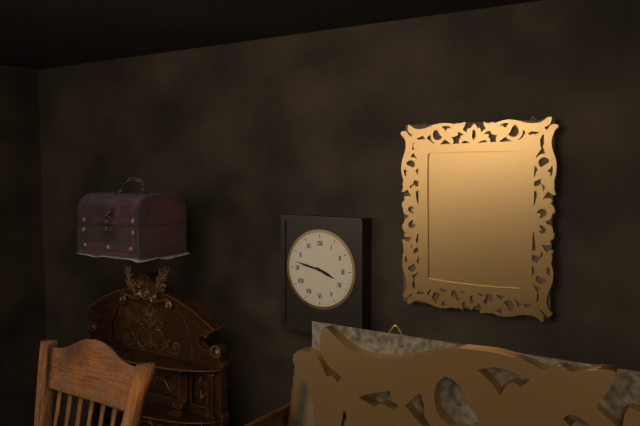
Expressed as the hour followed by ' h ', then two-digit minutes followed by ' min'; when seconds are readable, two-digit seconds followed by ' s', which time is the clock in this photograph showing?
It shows 3 h 47 min
